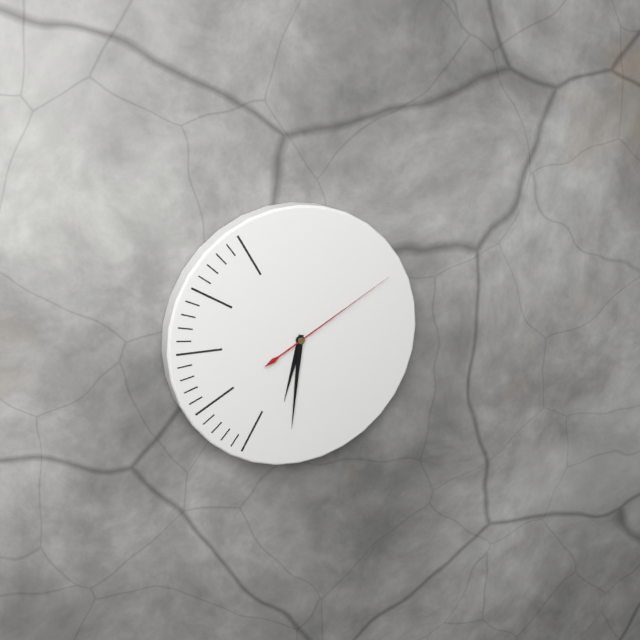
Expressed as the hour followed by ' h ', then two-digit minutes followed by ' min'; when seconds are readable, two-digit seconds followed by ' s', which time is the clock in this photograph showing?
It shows 6 h 31 min 10 s
